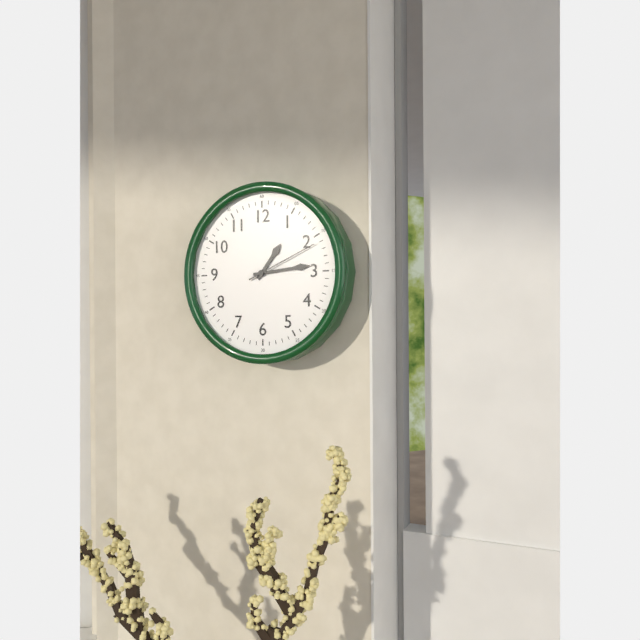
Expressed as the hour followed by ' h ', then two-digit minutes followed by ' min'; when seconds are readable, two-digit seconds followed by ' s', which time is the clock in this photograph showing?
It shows 1 h 14 min 11 s
